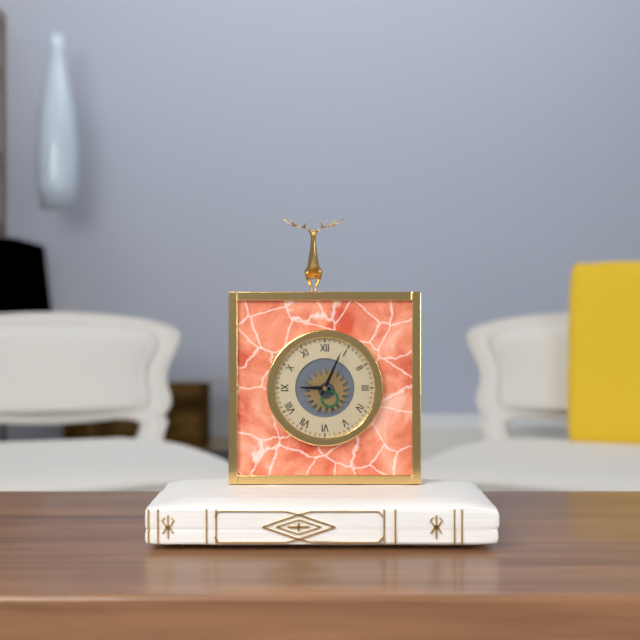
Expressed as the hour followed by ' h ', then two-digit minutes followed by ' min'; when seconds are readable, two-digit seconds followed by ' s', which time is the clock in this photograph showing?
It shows 9 h 04 min
